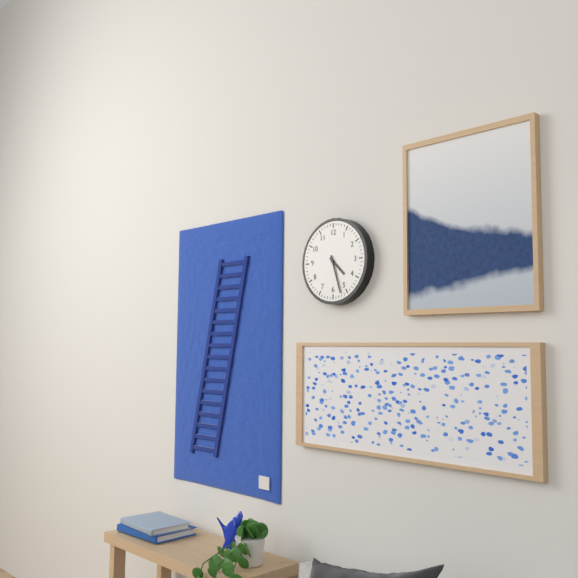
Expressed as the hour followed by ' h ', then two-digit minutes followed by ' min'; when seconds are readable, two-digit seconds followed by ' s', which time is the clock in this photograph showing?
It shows 4 h 27 min
